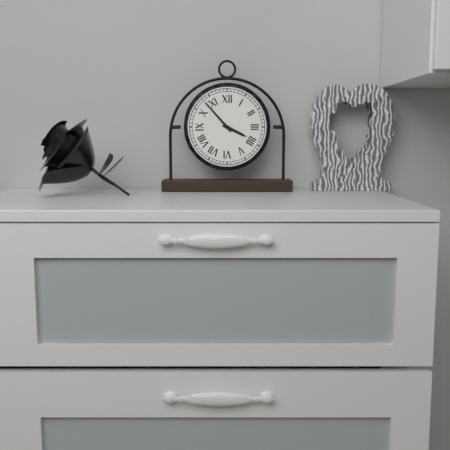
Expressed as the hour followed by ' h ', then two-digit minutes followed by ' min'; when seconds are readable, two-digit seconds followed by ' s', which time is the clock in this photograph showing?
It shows 3 h 53 min
